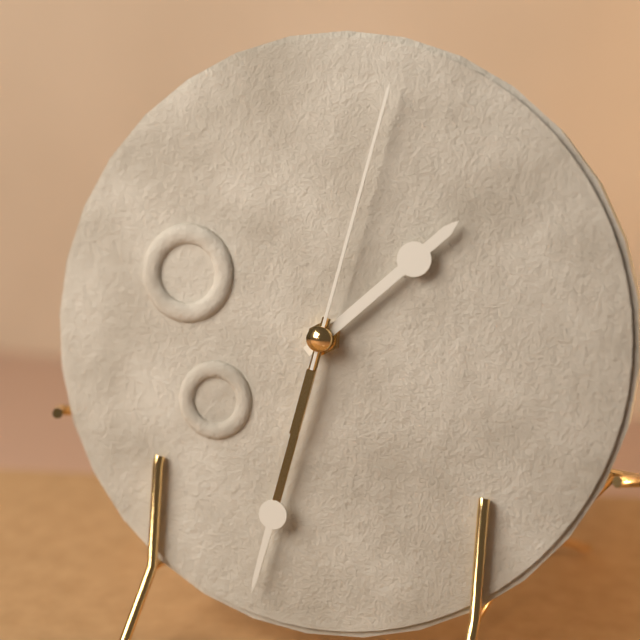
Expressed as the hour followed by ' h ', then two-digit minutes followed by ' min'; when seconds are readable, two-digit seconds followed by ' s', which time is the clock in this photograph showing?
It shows 1 h 32 min 02 s
